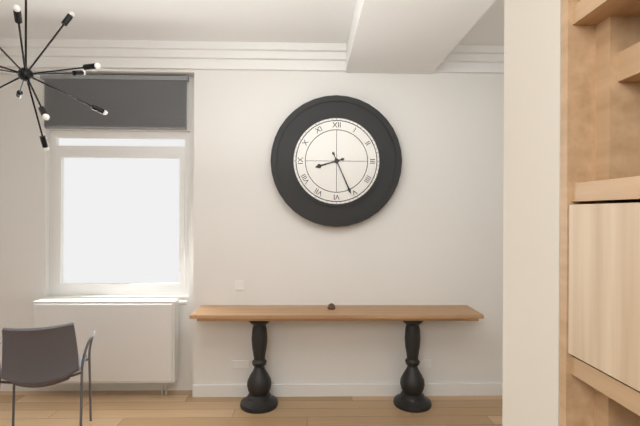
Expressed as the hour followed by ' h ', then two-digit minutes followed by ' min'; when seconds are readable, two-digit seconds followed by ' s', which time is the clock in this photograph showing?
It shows 8 h 26 min
